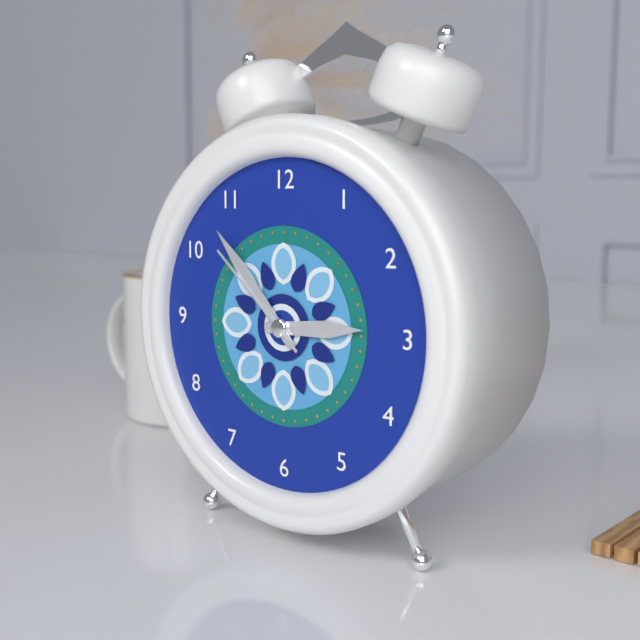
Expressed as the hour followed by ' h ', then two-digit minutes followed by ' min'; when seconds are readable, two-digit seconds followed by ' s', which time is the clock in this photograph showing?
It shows 2 h 53 min 52 s
